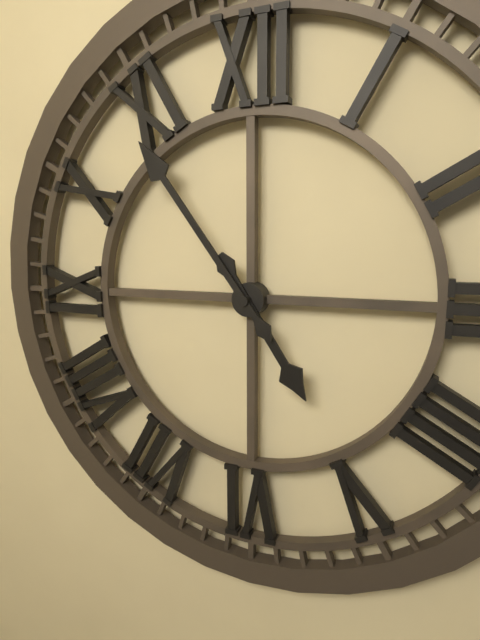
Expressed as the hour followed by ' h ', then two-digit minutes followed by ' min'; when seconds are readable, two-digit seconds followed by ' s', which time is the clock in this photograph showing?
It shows 4 h 54 min
